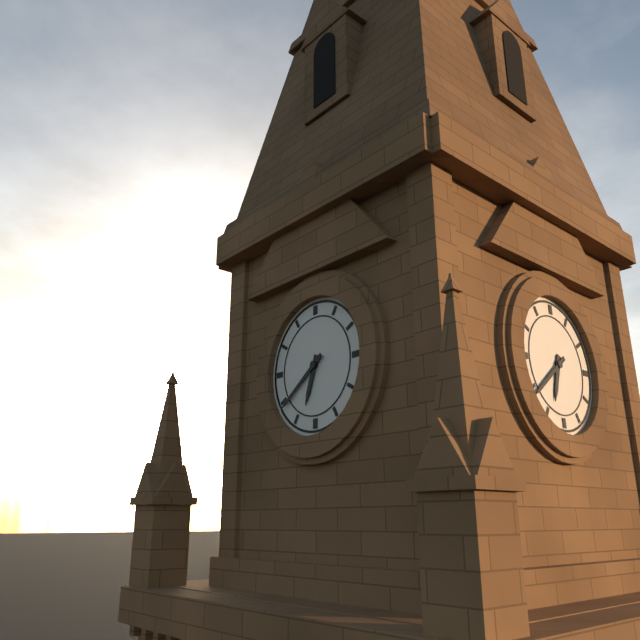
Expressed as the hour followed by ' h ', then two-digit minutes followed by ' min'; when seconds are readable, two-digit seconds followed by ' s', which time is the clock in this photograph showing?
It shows 6 h 39 min
